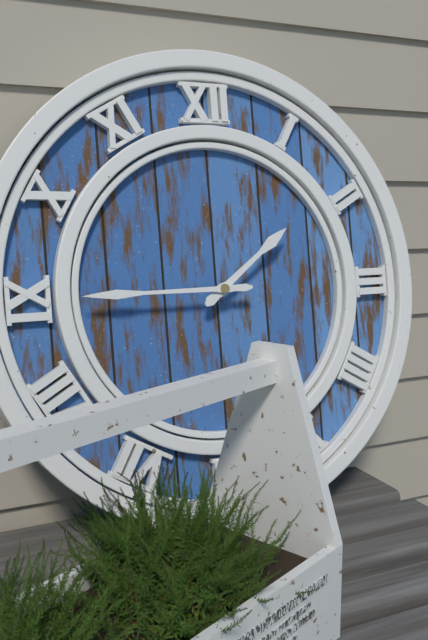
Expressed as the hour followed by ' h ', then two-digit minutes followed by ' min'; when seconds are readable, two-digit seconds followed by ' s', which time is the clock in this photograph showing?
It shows 1 h 45 min
